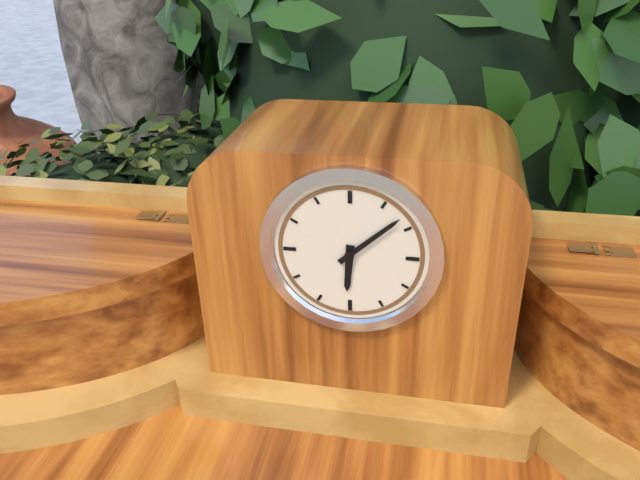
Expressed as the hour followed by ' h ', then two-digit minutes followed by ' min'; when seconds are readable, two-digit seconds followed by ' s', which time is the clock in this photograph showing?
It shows 6 h 08 min
